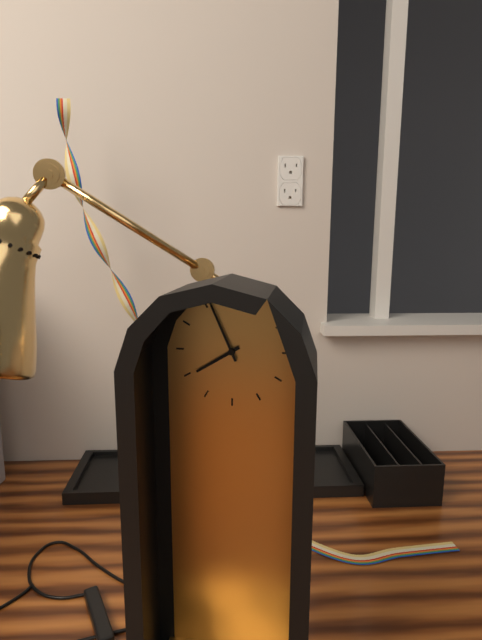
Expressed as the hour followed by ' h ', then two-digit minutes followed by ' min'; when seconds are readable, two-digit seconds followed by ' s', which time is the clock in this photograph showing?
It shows 7 h 56 min
